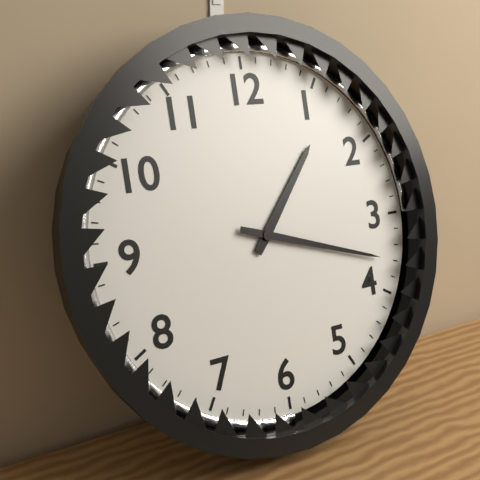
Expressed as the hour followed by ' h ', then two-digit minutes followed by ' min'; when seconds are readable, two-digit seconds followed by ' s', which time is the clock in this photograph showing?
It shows 1 h 18 min
